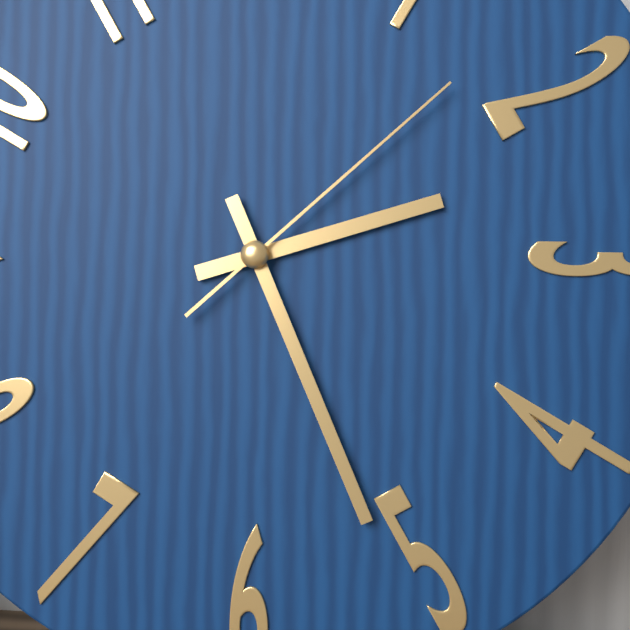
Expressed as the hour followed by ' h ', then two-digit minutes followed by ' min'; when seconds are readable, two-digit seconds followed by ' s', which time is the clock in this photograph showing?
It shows 2 h 26 min 08 s
